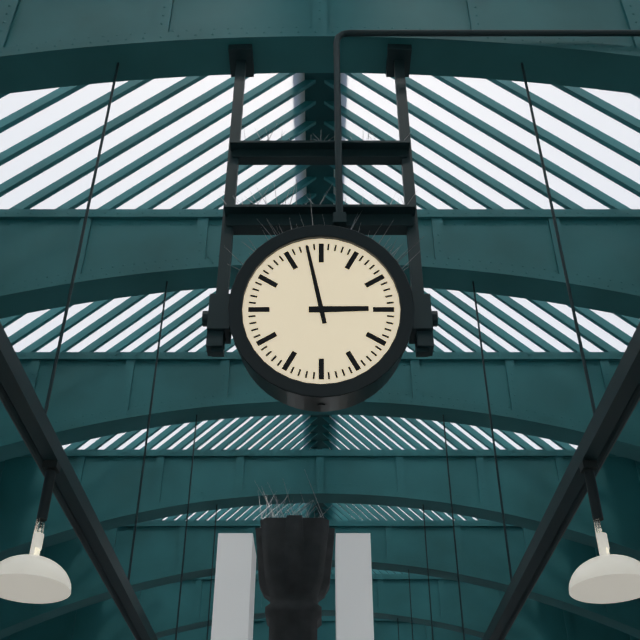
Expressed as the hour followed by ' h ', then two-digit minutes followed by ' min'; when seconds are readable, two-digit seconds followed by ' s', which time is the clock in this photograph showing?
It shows 2 h 58 min
